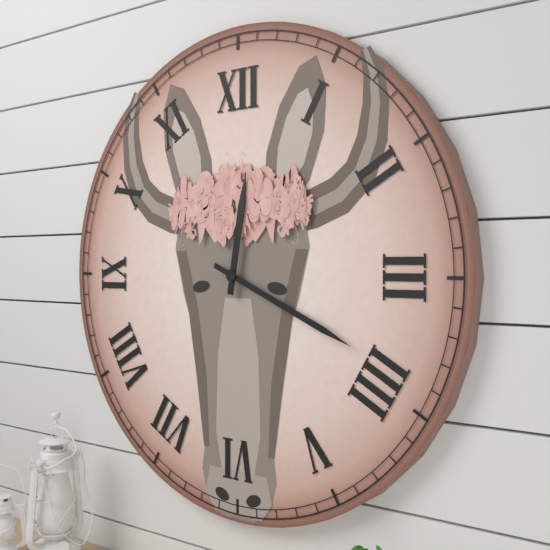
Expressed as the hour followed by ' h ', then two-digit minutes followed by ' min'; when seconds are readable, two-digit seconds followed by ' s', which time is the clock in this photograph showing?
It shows 12 h 19 min
